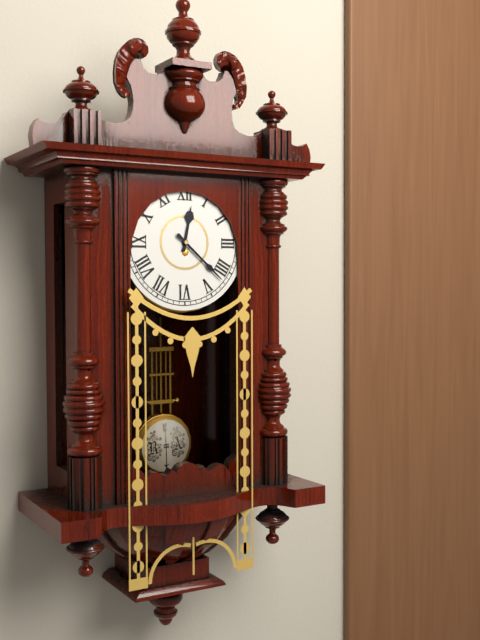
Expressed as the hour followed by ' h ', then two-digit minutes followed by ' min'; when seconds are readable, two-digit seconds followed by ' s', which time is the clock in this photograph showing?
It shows 12 h 22 min
